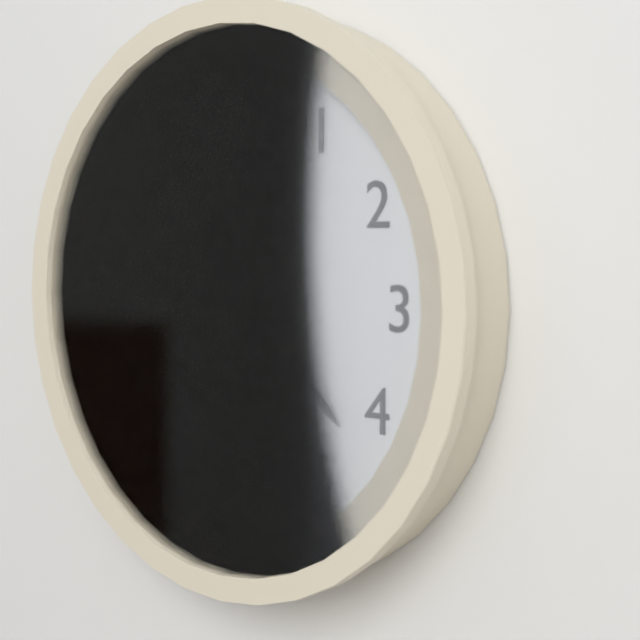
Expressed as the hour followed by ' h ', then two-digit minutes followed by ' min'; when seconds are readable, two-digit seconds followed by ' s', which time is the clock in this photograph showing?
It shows 12 h 22 min 54 s
